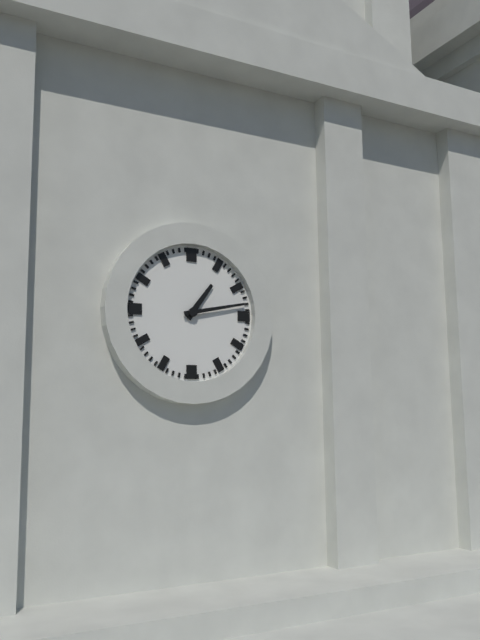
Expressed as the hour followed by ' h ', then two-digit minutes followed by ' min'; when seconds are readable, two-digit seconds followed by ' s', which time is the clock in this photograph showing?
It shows 1 h 13 min
